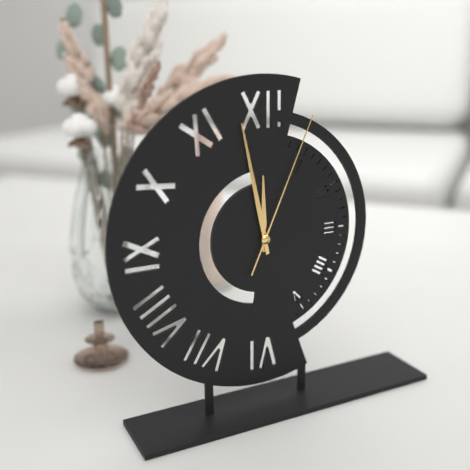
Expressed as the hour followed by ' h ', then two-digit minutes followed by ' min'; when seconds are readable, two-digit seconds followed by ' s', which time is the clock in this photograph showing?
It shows 11 h 58 min 04 s
